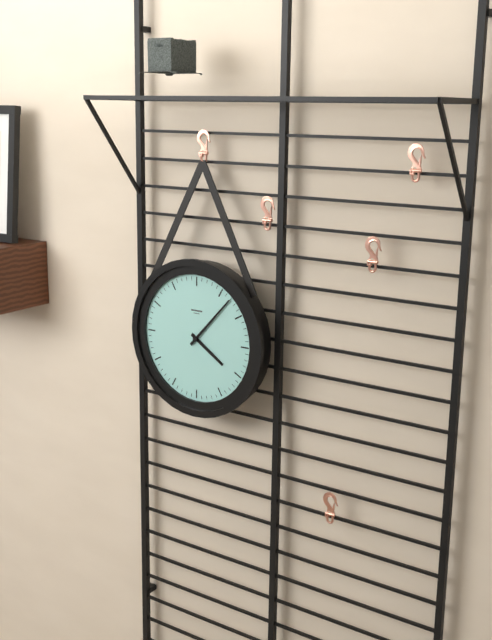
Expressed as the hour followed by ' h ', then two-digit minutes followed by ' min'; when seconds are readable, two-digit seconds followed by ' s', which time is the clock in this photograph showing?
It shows 4 h 07 min
